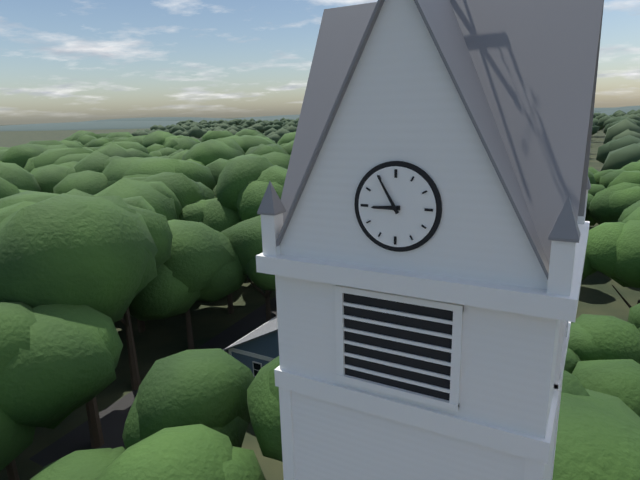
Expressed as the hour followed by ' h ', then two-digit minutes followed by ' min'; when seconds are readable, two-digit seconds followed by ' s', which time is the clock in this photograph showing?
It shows 8 h 55 min
